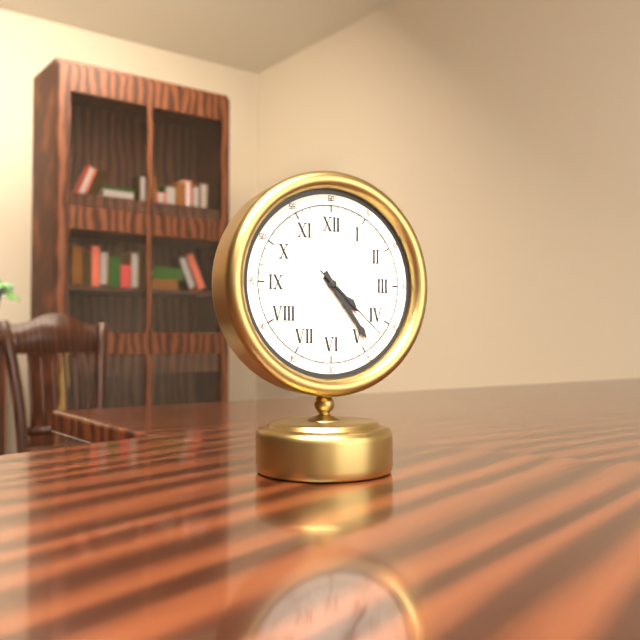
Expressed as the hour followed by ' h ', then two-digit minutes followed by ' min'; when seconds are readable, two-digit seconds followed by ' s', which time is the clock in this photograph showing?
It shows 4 h 24 min 22 s
